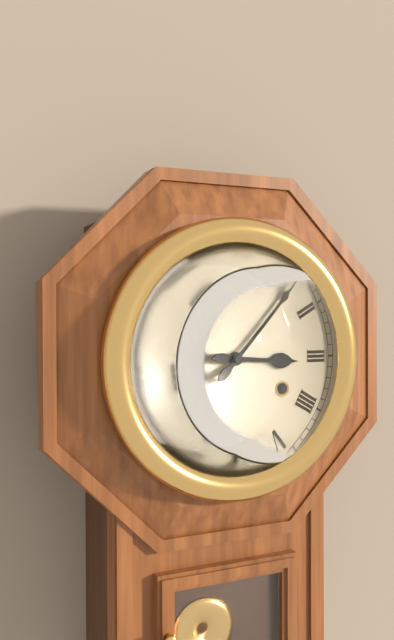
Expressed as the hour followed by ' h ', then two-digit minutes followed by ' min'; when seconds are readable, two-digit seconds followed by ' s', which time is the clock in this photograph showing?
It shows 3 h 07 min
